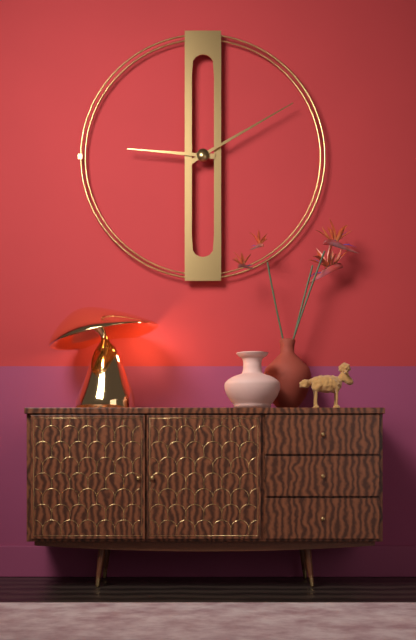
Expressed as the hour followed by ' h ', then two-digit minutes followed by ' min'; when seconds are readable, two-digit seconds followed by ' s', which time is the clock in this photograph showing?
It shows 9 h 10 min
